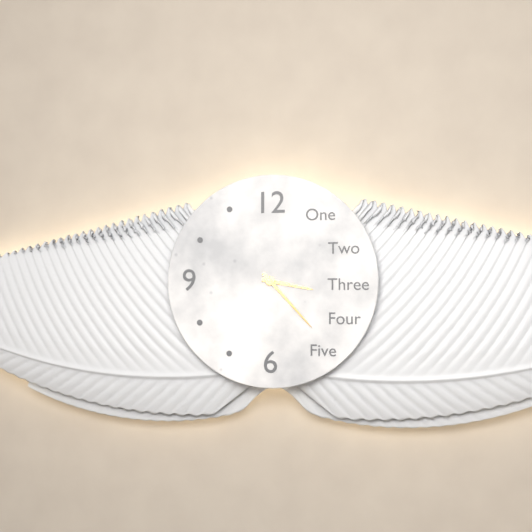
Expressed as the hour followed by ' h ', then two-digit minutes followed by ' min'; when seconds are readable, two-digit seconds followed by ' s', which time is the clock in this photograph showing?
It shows 3 h 23 min
